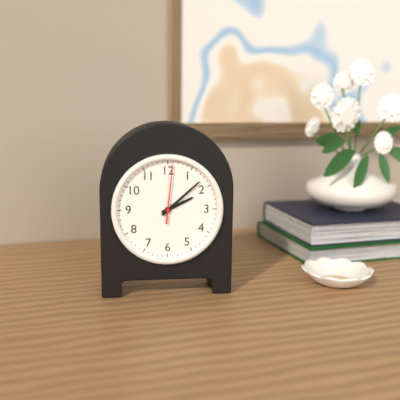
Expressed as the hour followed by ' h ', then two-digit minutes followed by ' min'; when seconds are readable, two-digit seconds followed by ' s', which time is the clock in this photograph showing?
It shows 2 h 08 min 01 s
